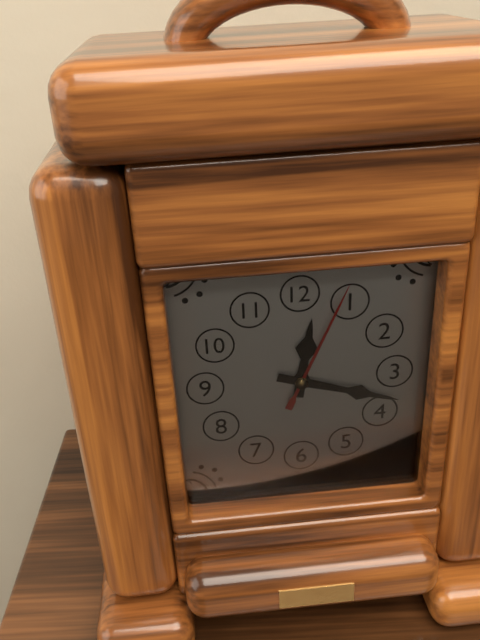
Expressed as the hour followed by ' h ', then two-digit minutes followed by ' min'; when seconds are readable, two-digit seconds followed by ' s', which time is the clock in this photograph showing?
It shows 12 h 18 min 04 s
